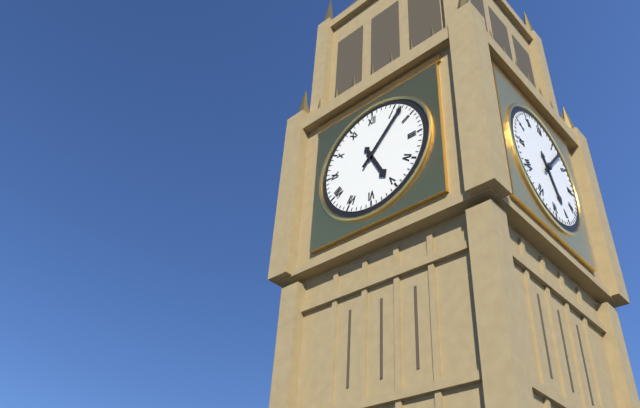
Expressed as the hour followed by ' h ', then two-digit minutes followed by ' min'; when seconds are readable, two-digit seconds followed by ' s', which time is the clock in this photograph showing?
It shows 5 h 07 min
